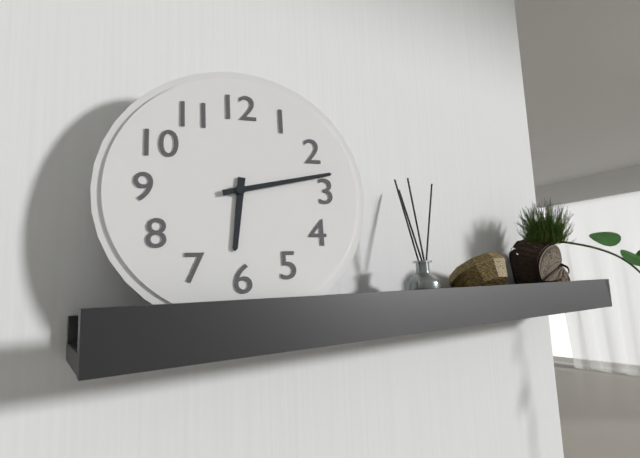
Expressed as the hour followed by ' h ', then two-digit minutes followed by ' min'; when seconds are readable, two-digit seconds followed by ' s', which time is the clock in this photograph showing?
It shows 6 h 13 min
